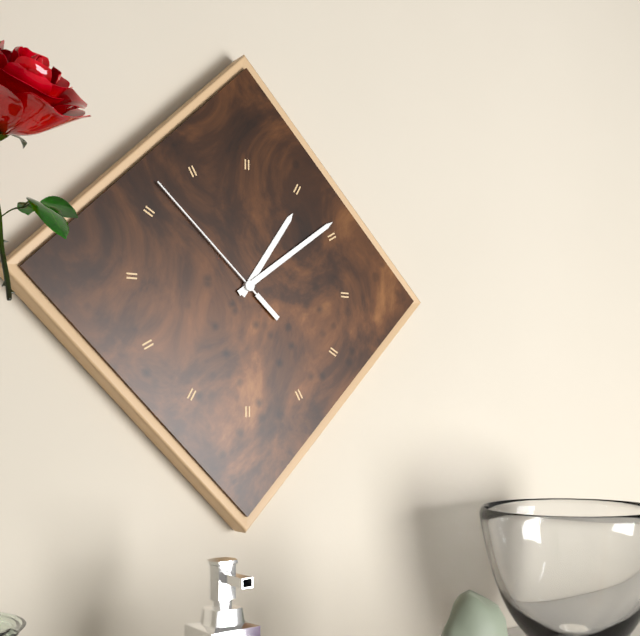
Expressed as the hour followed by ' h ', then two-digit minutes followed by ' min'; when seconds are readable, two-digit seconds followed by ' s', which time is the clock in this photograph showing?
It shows 1 h 09 min 52 s
